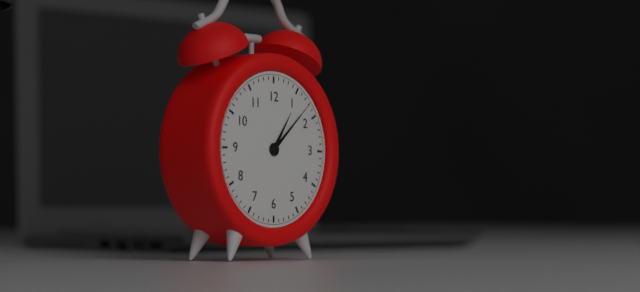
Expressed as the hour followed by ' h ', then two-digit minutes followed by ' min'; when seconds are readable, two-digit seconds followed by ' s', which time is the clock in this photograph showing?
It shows 1 h 08 min
